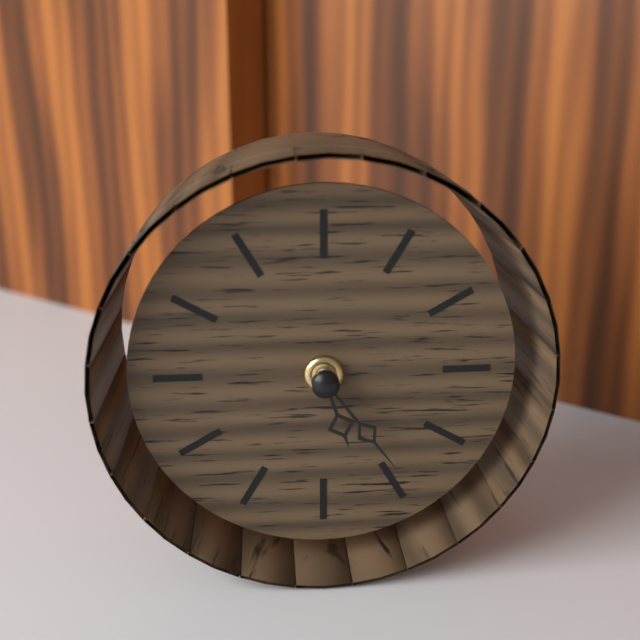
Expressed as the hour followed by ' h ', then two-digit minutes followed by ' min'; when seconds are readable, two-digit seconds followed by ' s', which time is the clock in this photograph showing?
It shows 5 h 24 min
